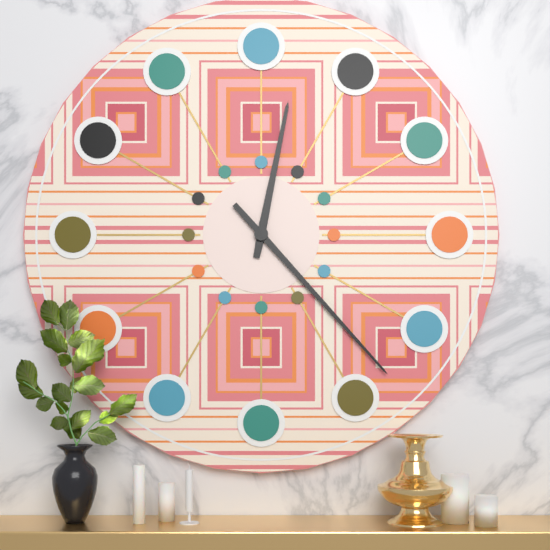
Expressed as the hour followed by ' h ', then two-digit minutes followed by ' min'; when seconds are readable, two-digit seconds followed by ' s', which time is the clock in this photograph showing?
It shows 12 h 23 min
